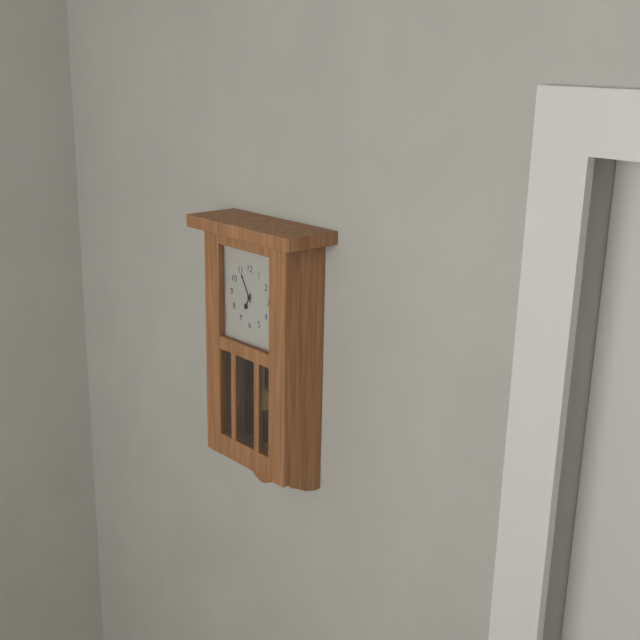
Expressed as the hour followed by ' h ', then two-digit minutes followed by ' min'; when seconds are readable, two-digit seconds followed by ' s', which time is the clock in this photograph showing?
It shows 6 h 55 min
